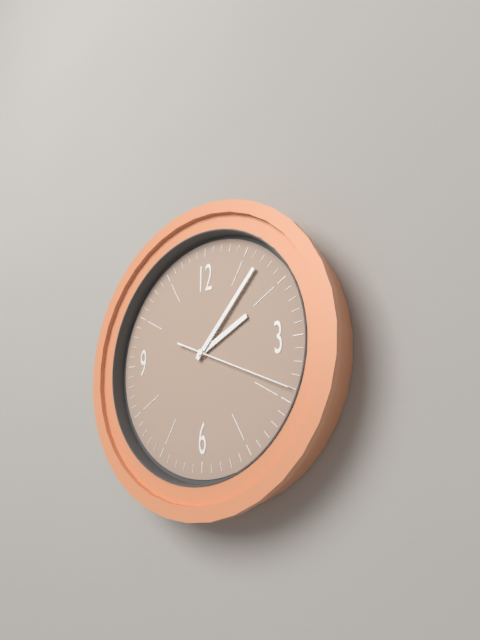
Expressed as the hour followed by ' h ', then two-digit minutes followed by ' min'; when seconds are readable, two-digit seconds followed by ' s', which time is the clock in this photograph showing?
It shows 2 h 07 min 19 s
